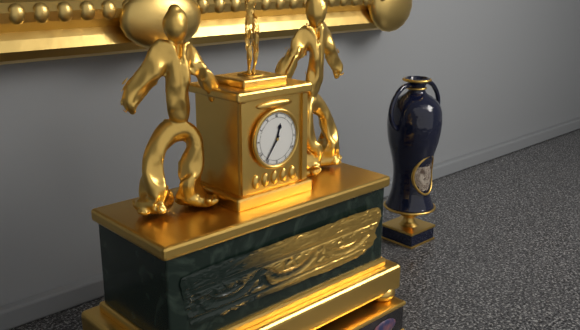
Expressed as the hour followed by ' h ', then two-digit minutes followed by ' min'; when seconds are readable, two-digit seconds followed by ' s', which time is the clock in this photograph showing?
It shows 12 h 36 min
